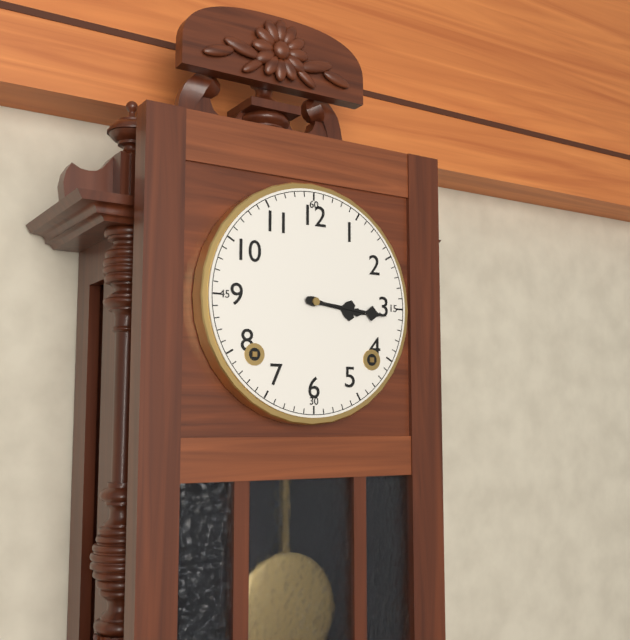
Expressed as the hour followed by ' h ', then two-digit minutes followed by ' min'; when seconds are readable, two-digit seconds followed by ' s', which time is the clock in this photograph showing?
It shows 3 h 16 min
